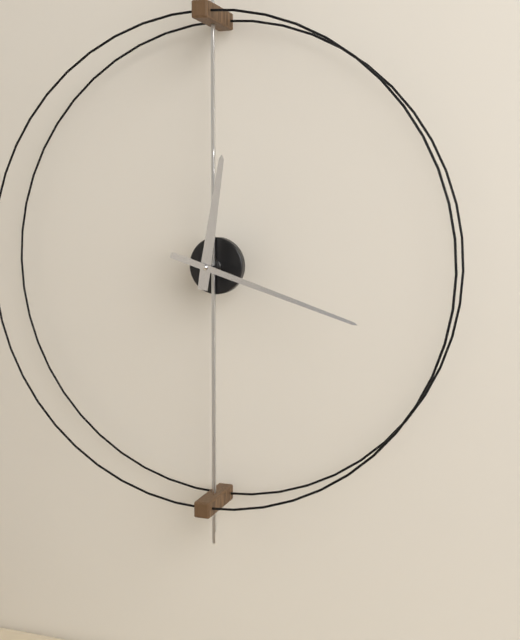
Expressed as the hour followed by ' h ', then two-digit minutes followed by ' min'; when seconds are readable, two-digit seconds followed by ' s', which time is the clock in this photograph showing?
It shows 12 h 18 min
